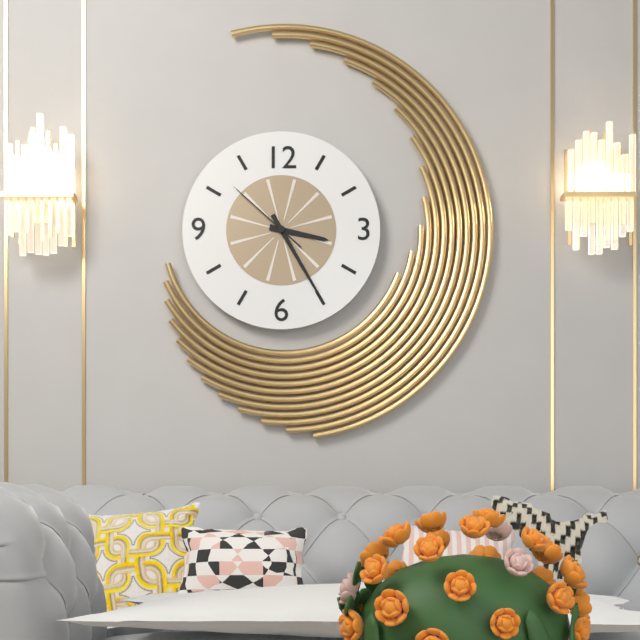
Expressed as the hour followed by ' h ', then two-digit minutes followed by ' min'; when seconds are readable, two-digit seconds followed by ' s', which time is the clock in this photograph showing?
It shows 3 h 25 min 52 s
